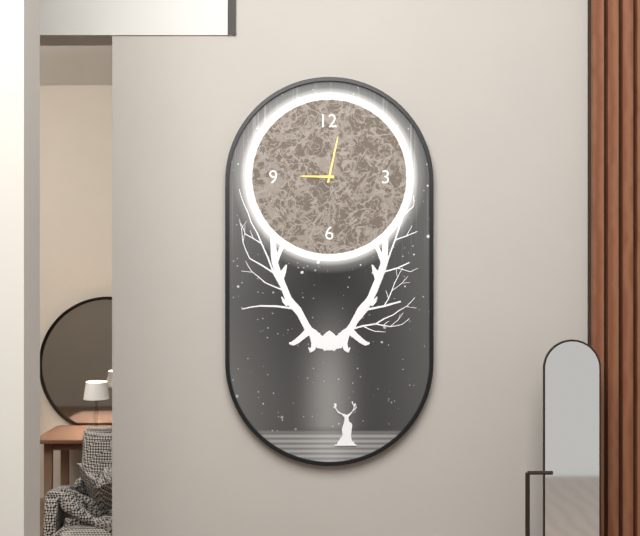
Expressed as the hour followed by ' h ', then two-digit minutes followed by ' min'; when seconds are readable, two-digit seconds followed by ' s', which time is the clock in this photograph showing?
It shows 9 h 02 min
